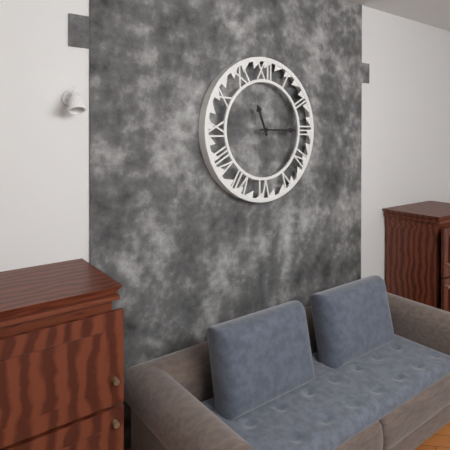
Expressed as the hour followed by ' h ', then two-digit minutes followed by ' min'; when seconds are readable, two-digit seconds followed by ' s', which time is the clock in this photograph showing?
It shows 11 h 15 min
